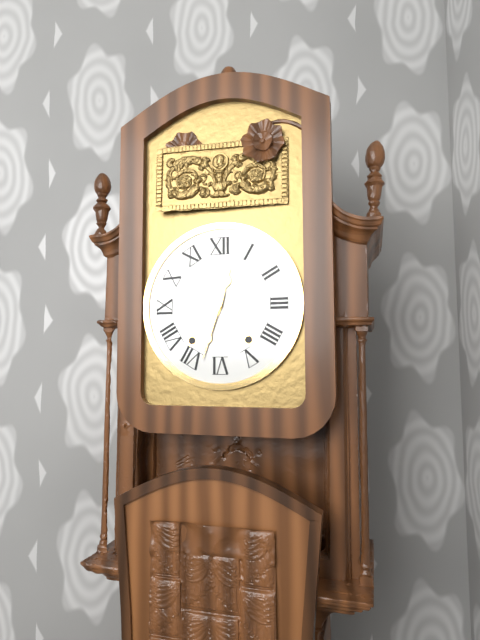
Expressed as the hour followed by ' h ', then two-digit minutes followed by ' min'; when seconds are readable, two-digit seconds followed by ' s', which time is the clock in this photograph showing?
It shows 12 h 33 min
